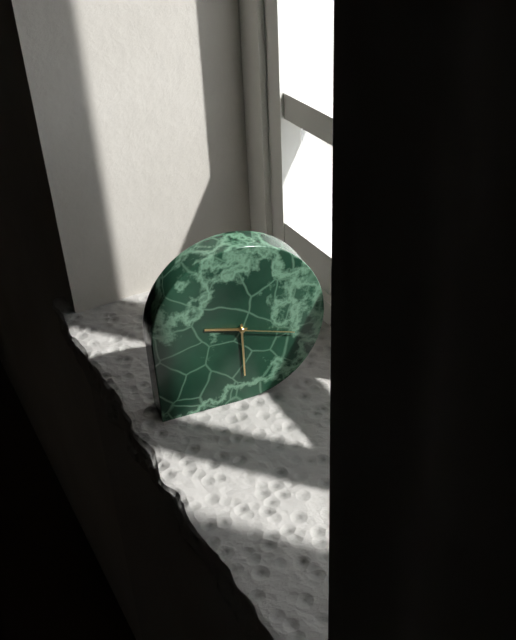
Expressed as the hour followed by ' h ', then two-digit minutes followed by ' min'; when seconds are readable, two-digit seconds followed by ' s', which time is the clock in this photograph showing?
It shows 9 h 30 min 18 s
